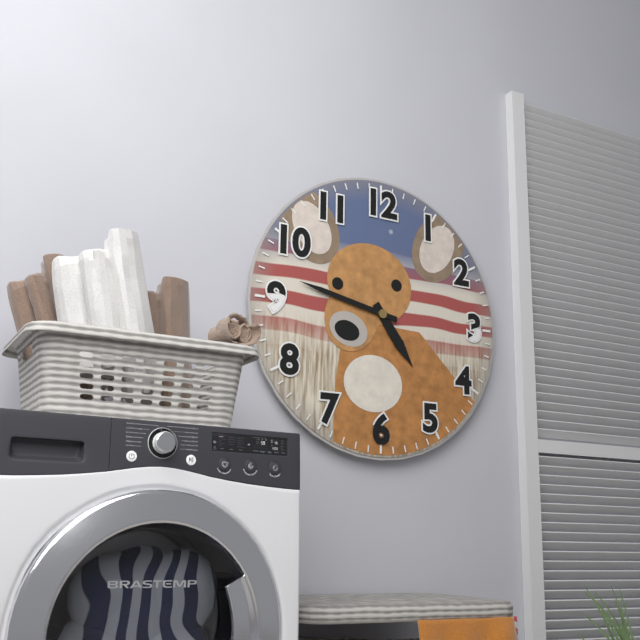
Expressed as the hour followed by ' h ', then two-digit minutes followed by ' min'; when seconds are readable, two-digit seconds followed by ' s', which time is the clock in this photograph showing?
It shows 4 h 47 min
